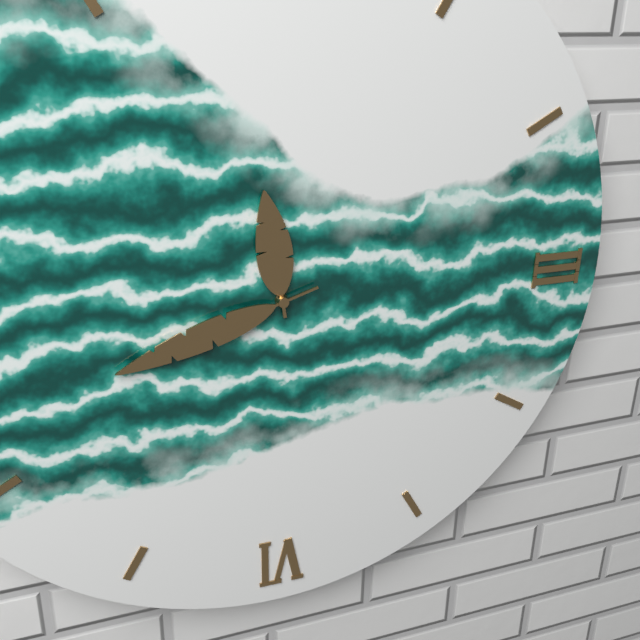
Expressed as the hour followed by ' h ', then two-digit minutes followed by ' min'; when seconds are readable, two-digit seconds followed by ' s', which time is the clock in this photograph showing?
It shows 11 h 42 min
